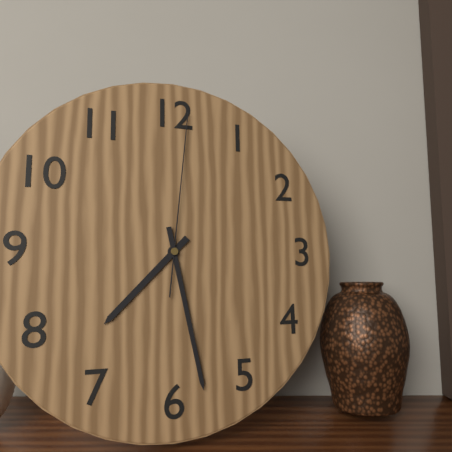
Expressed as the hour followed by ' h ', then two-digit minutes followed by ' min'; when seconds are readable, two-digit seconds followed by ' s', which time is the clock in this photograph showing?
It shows 7 h 28 min 01 s
